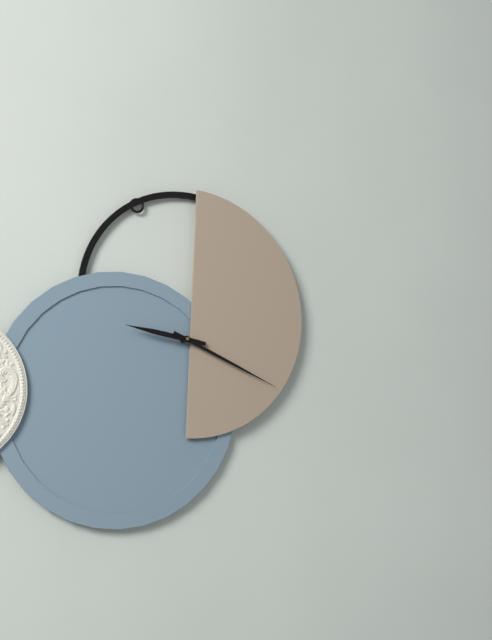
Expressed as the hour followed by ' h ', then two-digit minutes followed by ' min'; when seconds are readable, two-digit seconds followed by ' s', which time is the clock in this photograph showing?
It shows 9 h 19 min
